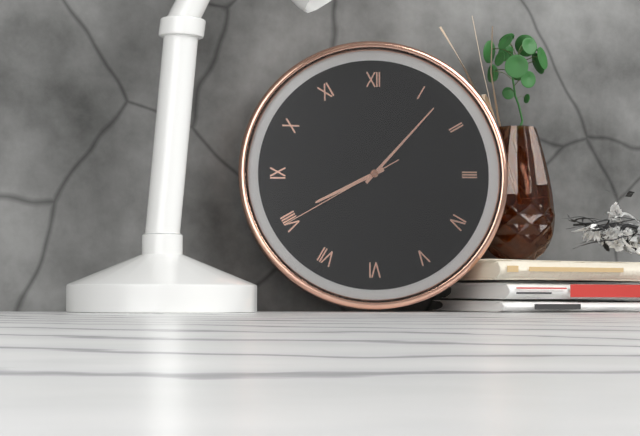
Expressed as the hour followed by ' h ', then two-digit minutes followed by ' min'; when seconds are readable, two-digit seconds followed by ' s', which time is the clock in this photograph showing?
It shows 8 h 07 min 40 s
